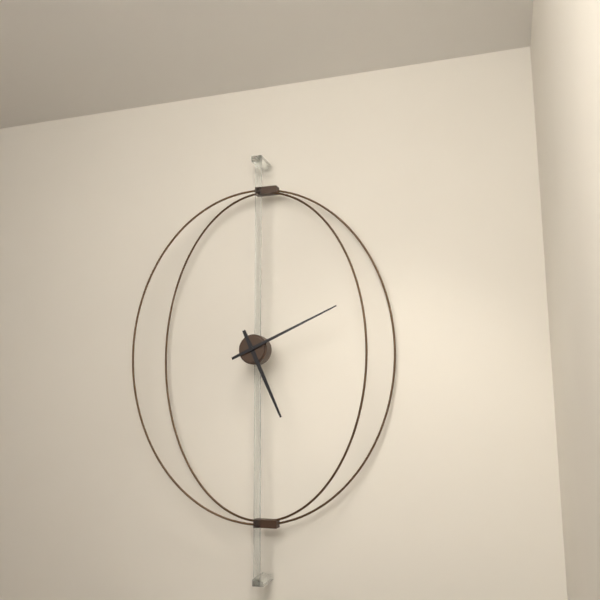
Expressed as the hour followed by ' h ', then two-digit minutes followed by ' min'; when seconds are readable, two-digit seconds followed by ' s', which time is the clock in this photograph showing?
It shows 5 h 11 min
